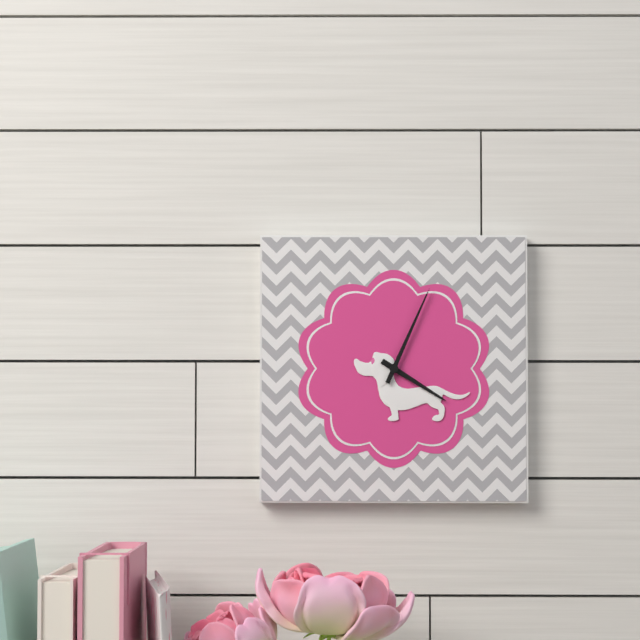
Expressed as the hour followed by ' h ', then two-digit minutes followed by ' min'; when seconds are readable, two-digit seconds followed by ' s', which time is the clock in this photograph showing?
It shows 4 h 04 min
